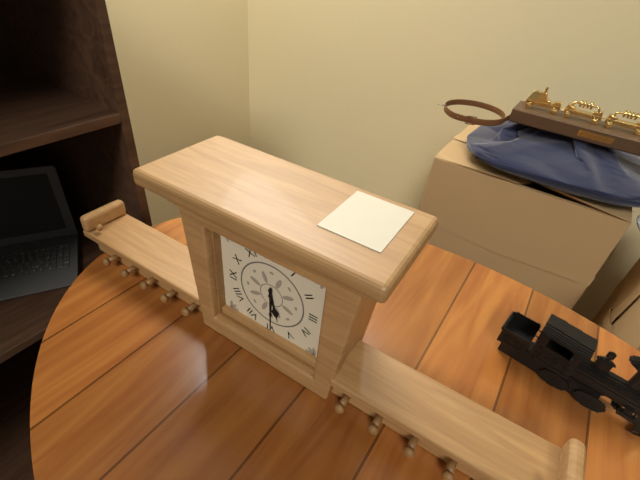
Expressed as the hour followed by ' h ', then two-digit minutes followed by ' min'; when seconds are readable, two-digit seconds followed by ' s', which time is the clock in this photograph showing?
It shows 5 h 30 min
